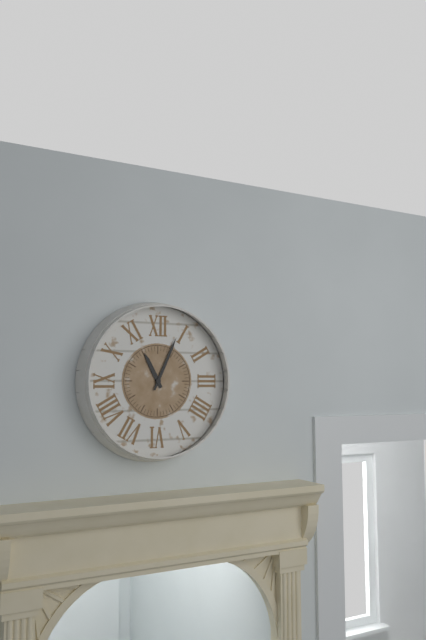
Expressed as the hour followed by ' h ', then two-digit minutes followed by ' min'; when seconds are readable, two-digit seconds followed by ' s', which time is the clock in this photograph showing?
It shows 11 h 04 min
